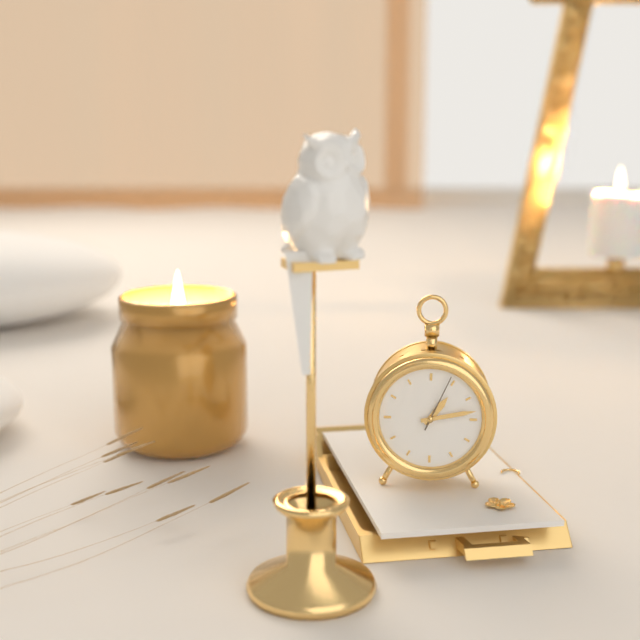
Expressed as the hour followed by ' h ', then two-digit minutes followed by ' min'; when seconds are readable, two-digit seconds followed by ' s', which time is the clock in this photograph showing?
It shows 1 h 13 min
